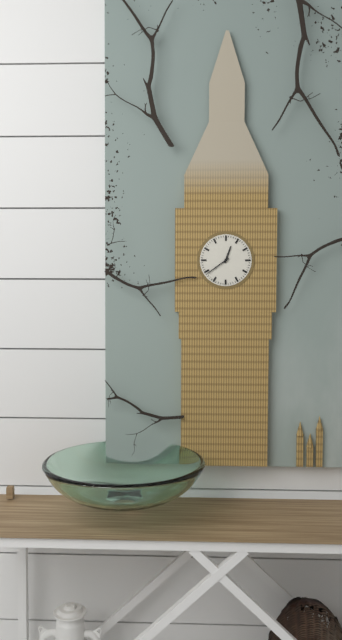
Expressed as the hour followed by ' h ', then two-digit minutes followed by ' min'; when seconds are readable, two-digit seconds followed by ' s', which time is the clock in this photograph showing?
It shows 12 h 39 min
